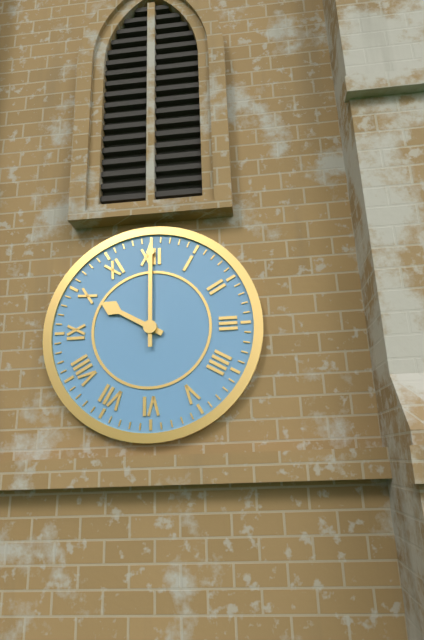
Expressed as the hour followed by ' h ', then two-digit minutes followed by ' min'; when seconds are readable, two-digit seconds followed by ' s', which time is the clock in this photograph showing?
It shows 10 h 00 min
